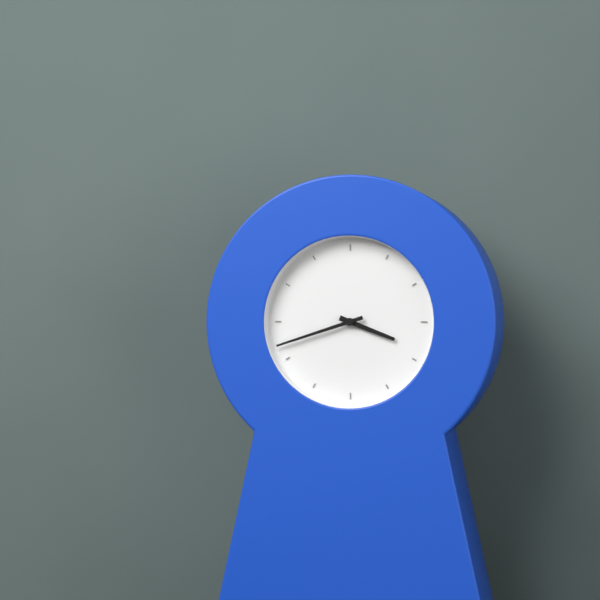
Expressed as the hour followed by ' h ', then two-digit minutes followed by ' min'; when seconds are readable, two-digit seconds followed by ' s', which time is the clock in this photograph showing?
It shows 3 h 42 min
